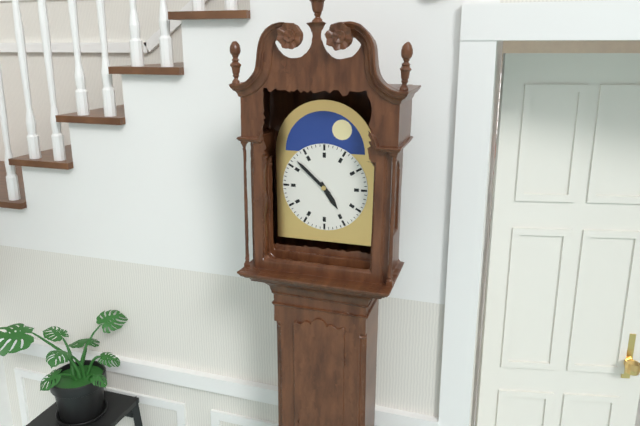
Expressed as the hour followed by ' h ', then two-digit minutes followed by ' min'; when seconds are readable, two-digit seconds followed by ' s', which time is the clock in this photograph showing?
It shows 4 h 52 min
